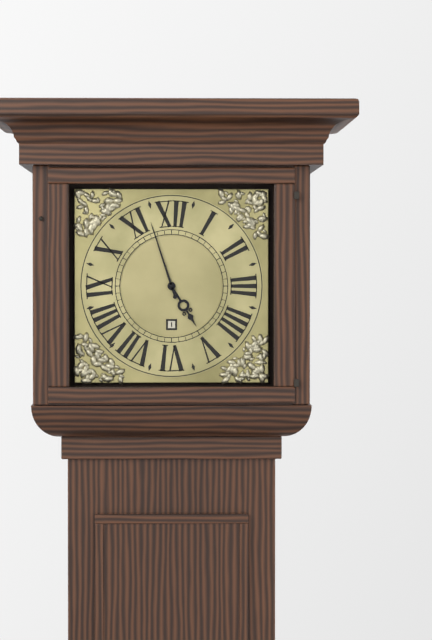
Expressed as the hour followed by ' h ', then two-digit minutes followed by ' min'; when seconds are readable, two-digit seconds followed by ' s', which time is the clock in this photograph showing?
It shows 4 h 57 min
